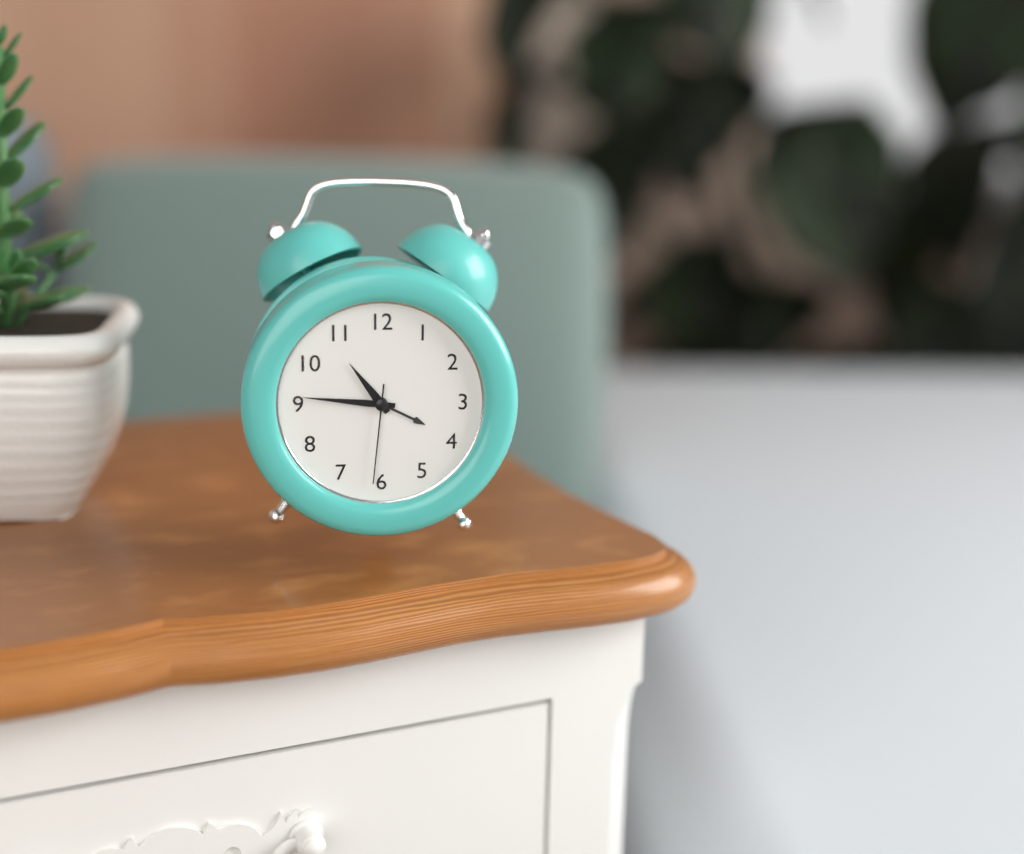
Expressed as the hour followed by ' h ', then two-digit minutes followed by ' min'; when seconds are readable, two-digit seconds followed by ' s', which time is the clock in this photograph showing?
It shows 10 h 46 min 31 s
